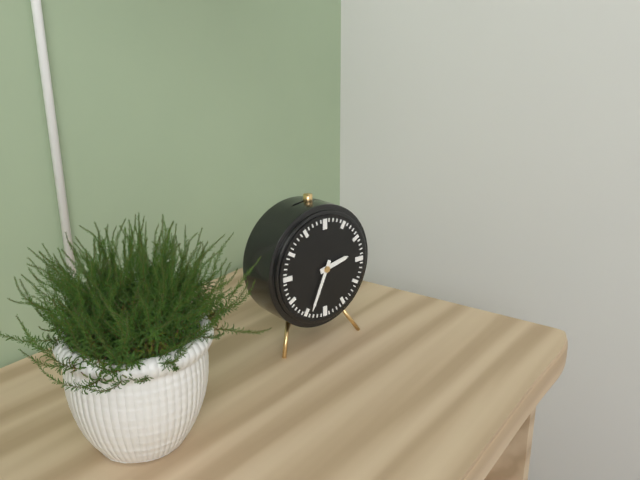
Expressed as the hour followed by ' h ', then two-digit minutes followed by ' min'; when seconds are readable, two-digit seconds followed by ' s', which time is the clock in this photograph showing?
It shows 2 h 34 min
